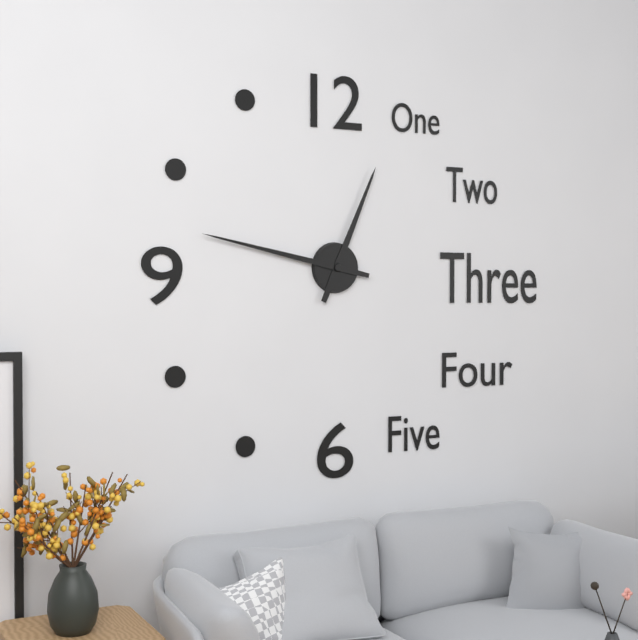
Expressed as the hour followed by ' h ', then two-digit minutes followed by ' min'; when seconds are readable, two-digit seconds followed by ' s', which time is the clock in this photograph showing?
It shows 12 h 47 min
